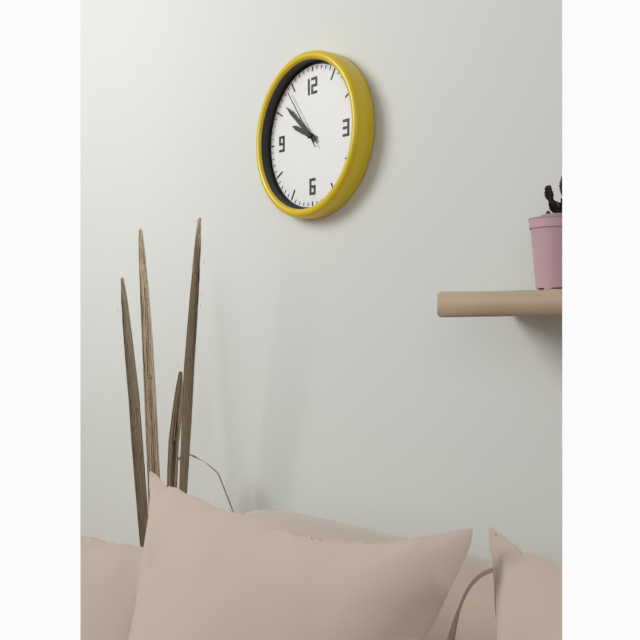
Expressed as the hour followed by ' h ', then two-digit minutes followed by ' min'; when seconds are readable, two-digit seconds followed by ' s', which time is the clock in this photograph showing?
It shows 9 h 52 min 54 s
